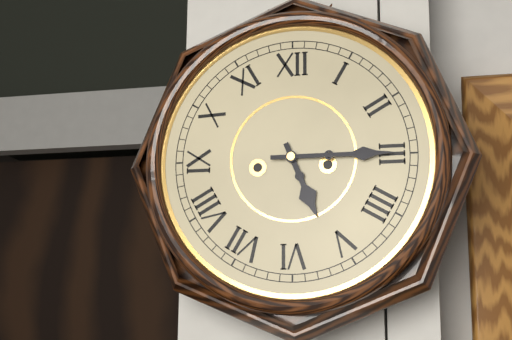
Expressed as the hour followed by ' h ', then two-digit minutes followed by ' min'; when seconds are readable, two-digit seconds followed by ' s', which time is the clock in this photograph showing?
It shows 5 h 15 min
